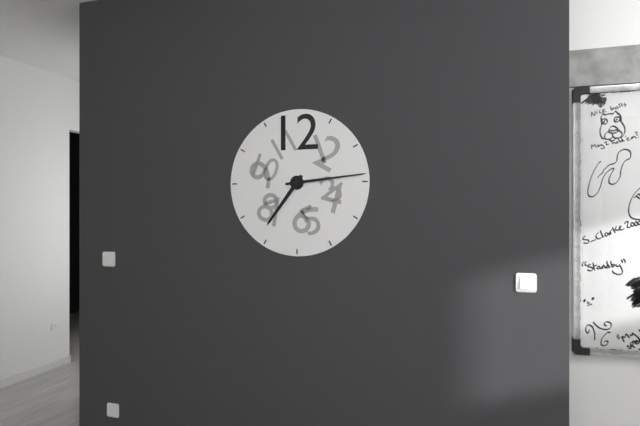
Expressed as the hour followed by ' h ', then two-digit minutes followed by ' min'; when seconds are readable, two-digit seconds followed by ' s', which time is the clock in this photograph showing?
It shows 7 h 14 min
